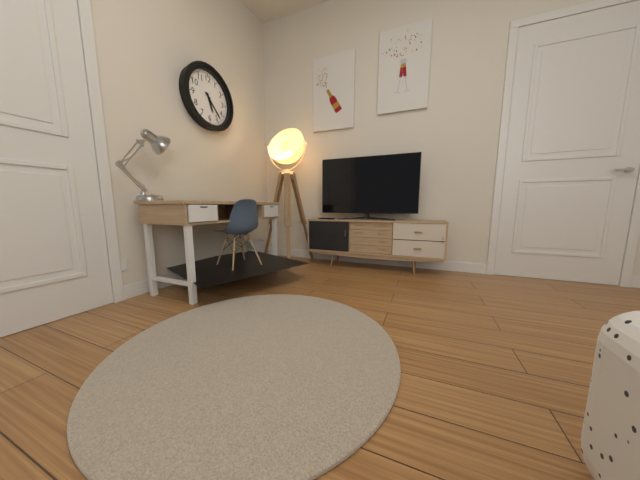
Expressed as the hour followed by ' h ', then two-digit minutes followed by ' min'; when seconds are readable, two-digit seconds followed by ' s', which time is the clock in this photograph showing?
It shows 5 h 23 min
